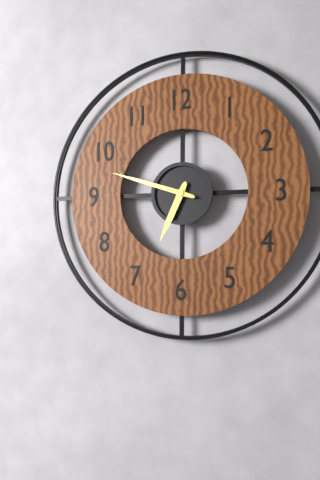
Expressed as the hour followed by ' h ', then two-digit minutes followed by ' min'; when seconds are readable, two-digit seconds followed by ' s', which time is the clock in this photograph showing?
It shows 6 h 48 min
